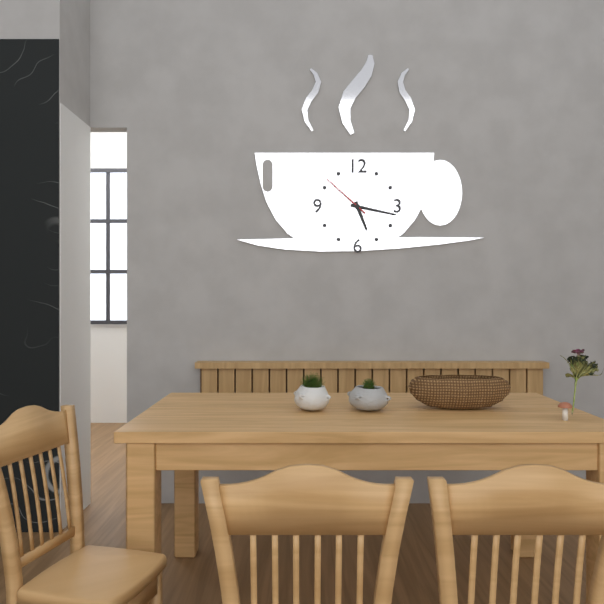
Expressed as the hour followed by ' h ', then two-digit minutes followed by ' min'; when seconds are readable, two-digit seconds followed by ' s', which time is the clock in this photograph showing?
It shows 5 h 17 min 52 s
